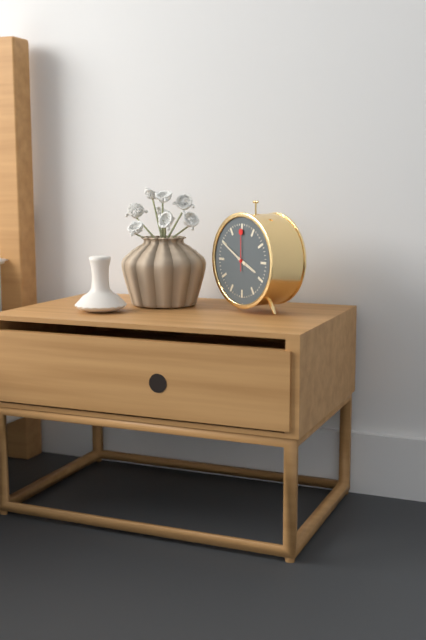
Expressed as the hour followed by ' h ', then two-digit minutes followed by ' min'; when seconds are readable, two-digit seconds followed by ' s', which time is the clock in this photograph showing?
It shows 3 h 50 min
